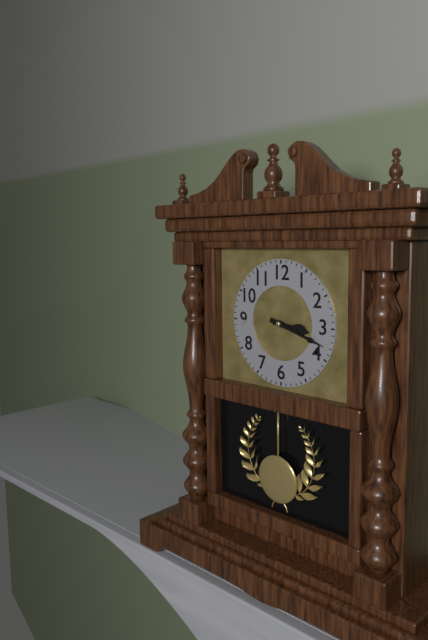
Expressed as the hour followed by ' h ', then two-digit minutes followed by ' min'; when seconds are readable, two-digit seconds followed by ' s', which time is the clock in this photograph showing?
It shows 3 h 18 min
